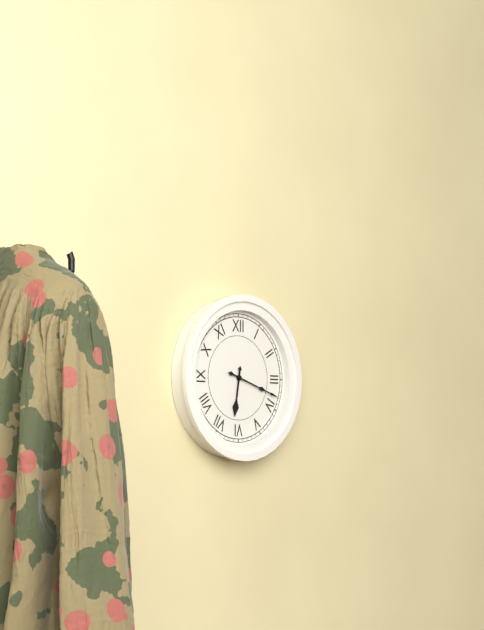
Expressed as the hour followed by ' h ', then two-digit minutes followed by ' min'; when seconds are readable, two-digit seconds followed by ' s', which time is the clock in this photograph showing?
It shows 6 h 18 min
